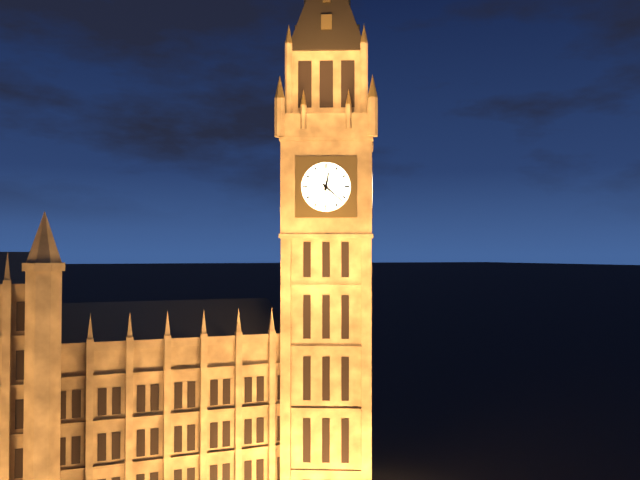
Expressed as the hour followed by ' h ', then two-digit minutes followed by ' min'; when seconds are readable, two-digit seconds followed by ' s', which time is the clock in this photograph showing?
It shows 12 h 22 min
